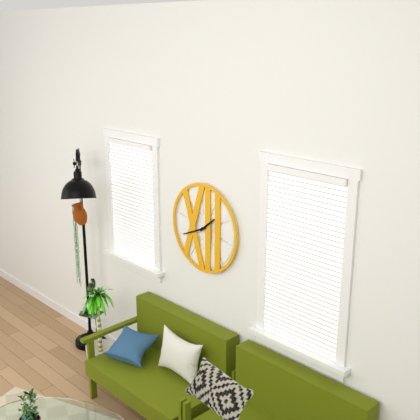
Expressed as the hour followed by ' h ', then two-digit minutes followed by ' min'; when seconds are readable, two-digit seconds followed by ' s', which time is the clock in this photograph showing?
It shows 1 h 41 min
